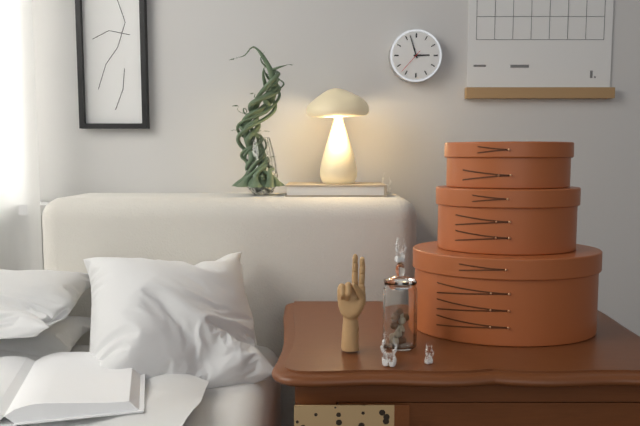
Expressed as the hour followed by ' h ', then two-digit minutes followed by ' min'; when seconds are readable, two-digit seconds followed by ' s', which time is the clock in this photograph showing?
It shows 2 h 57 min
